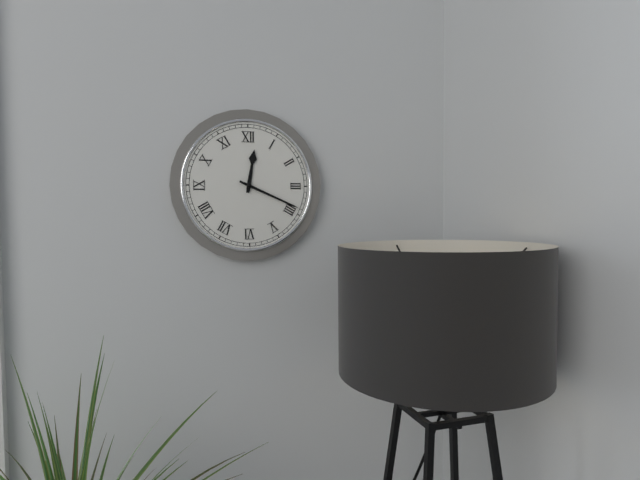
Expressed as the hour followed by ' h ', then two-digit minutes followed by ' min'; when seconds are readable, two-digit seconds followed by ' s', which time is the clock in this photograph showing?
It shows 12 h 19 min
